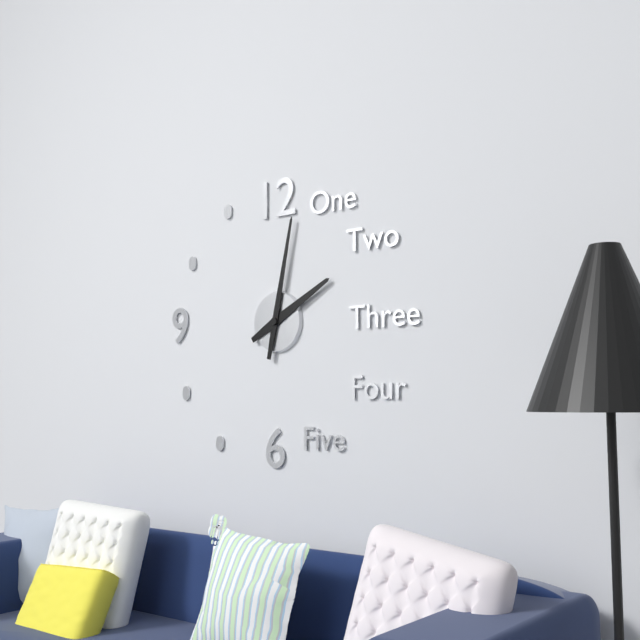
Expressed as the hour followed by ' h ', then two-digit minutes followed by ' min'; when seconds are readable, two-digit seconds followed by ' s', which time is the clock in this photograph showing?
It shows 2 h 02 min
